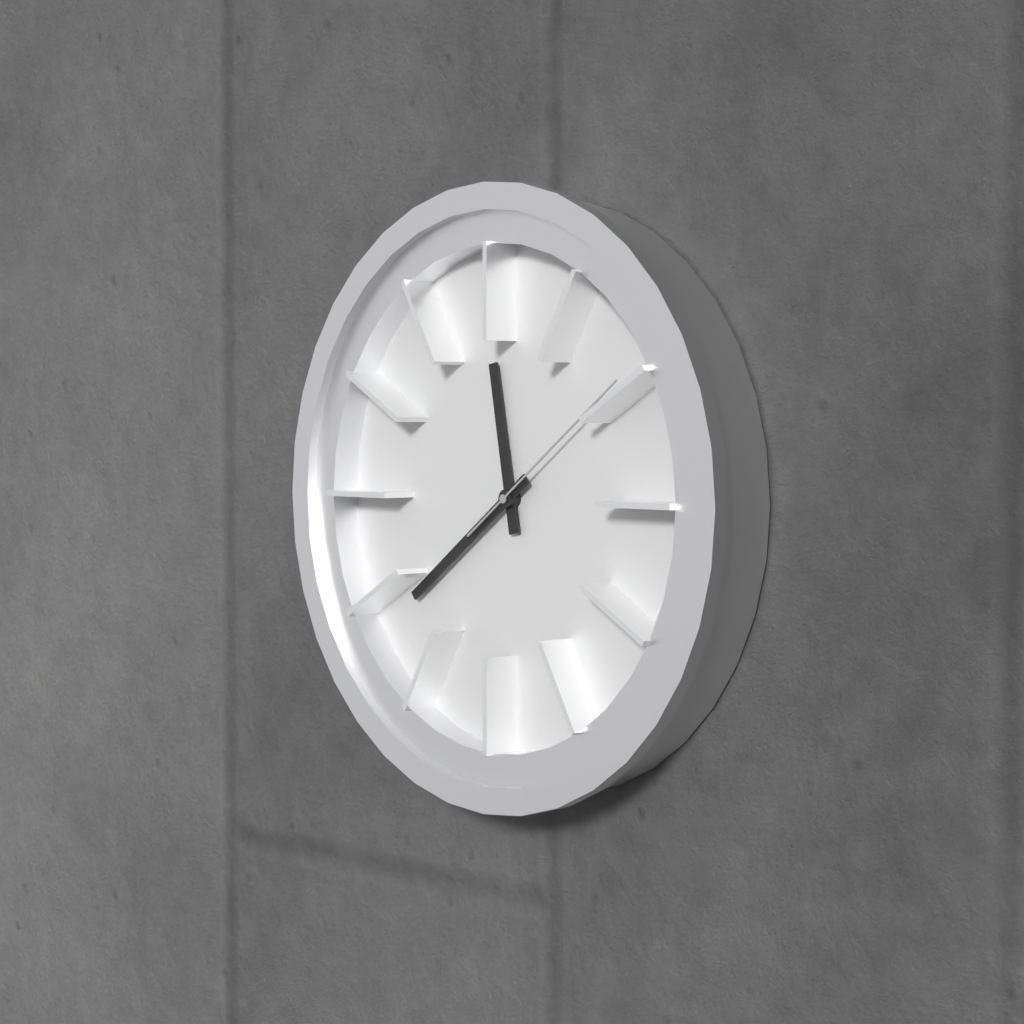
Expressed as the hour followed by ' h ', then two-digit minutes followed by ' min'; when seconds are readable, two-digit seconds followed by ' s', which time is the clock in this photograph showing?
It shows 11 h 39 min 09 s
